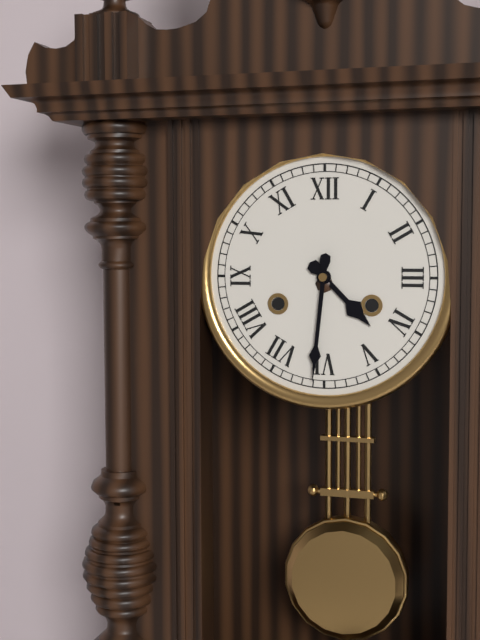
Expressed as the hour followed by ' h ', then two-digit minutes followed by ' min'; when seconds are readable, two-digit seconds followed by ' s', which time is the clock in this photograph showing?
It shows 4 h 31 min
